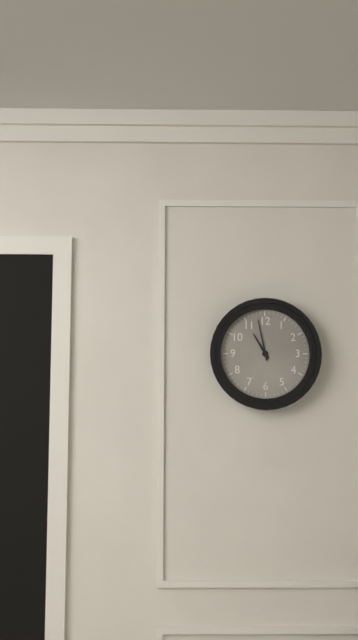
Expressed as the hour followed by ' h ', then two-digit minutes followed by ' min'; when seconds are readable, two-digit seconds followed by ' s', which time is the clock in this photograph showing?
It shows 10 h 58 min
